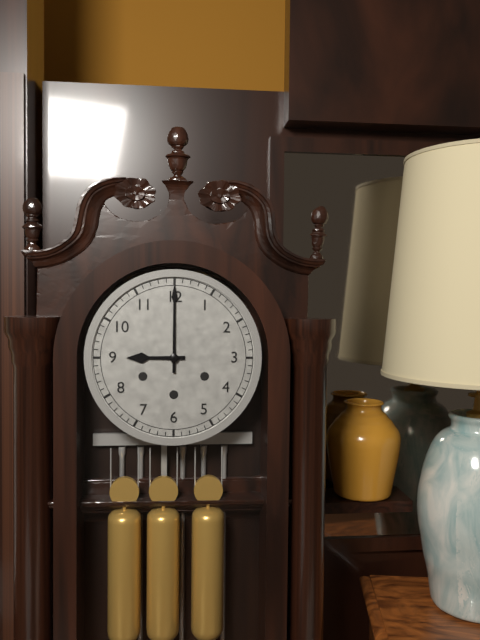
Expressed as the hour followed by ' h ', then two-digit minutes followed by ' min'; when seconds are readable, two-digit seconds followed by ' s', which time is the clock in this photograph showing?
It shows 9 h 00 min
